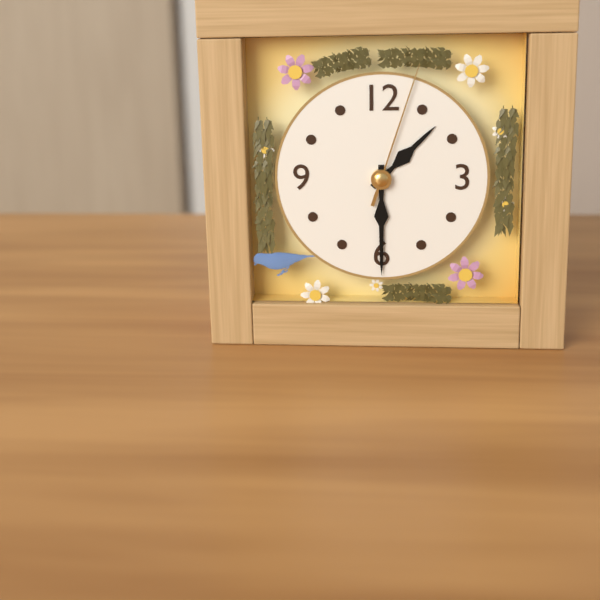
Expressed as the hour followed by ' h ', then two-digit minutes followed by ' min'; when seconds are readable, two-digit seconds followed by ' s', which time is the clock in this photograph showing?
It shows 1 h 30 min 03 s
